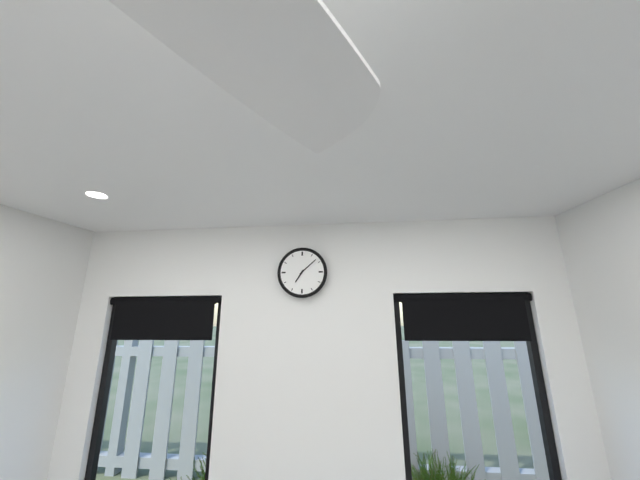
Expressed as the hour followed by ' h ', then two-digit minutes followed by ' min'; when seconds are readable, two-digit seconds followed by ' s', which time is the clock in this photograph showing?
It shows 7 h 08 min
